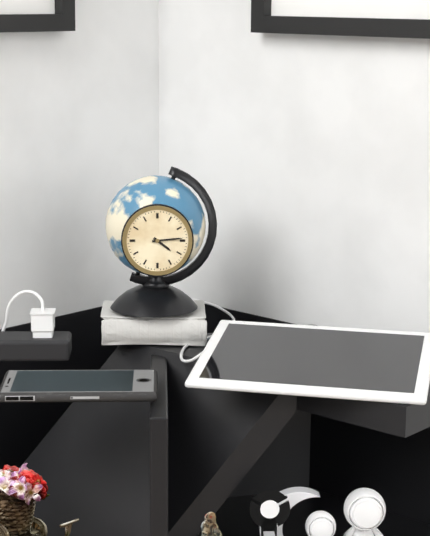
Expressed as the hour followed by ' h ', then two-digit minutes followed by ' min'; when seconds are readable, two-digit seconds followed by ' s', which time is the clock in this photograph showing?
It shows 4 h 14 min
